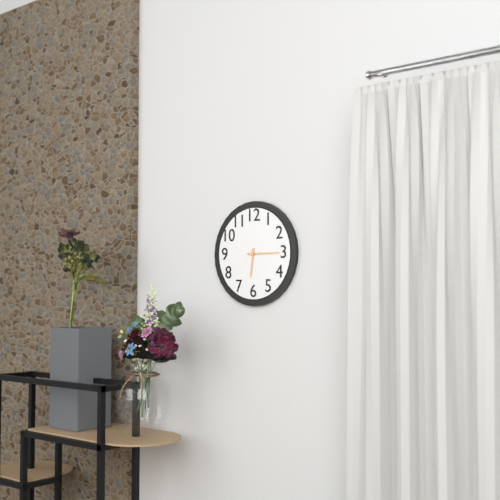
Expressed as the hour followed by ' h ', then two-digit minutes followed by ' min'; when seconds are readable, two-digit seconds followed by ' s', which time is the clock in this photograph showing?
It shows 6 h 15 min
